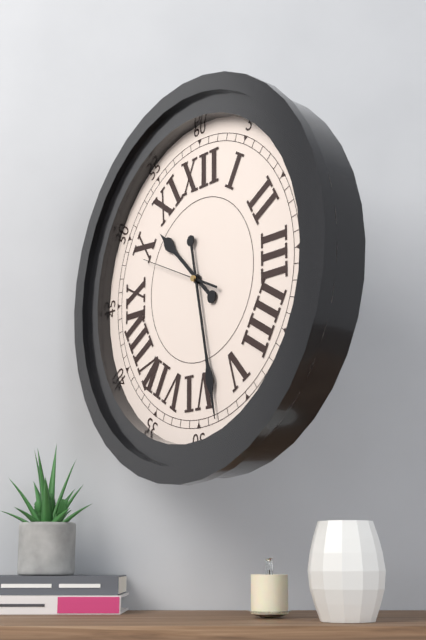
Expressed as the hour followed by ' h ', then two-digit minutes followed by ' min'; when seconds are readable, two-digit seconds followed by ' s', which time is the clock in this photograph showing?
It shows 10 h 28 min 49 s
